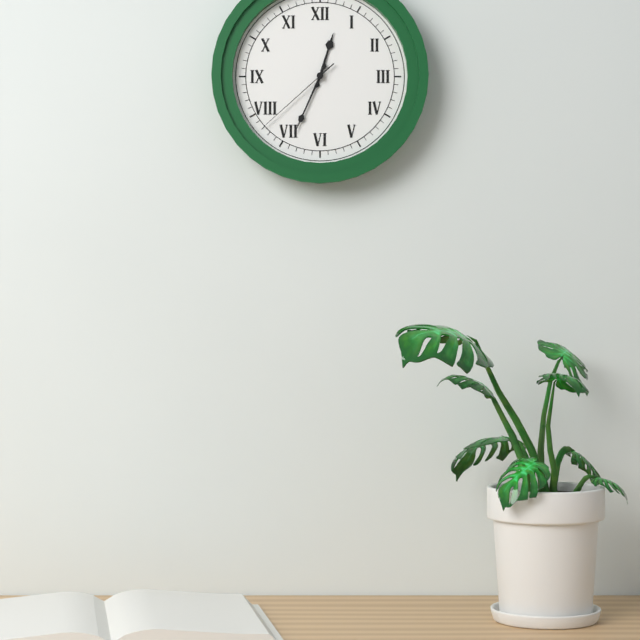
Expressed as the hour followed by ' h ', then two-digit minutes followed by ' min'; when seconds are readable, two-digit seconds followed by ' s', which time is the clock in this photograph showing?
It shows 12 h 34 min 38 s
